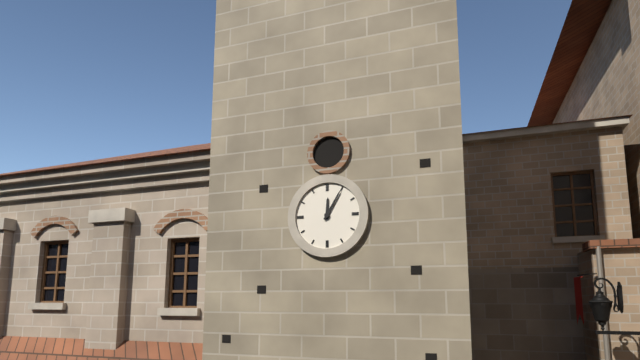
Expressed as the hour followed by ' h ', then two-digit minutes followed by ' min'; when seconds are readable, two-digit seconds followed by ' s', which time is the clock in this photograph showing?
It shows 12 h 05 min
